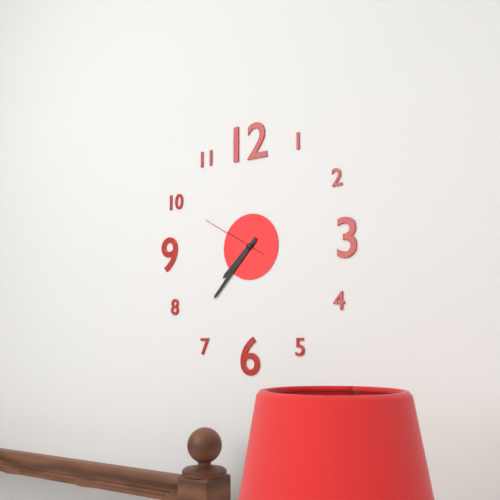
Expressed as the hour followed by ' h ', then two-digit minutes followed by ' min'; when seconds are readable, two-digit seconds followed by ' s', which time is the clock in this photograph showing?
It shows 7 h 37 min 50 s
